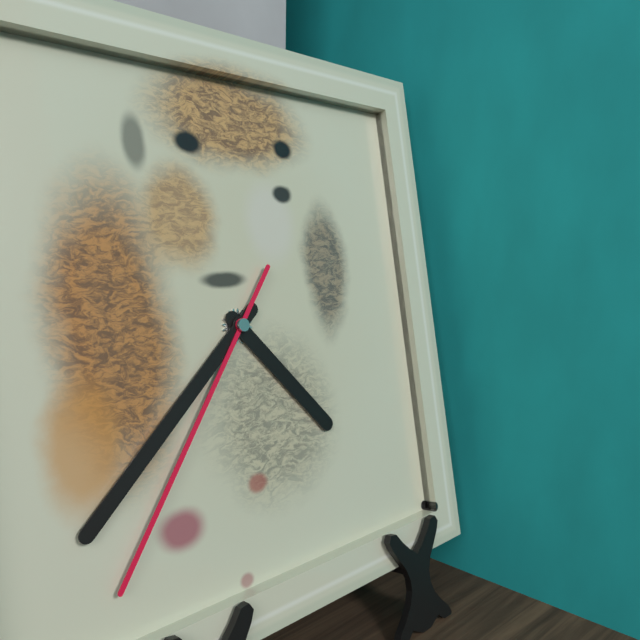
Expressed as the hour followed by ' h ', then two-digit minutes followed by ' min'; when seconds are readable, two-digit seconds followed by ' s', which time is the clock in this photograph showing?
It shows 4 h 38 min 36 s
